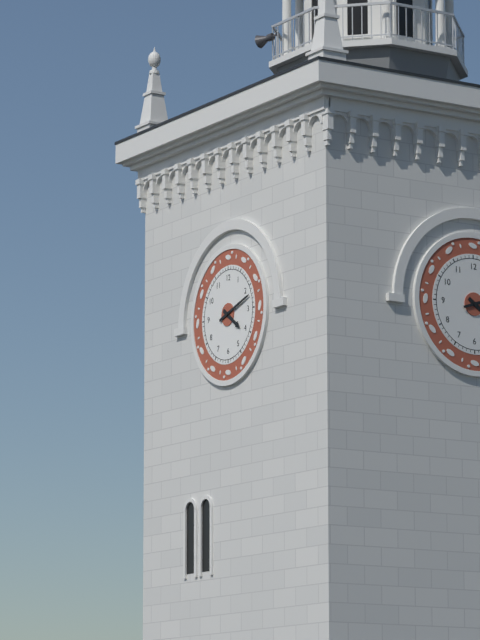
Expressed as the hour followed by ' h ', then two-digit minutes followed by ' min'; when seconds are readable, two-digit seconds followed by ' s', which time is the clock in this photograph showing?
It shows 4 h 12 min
